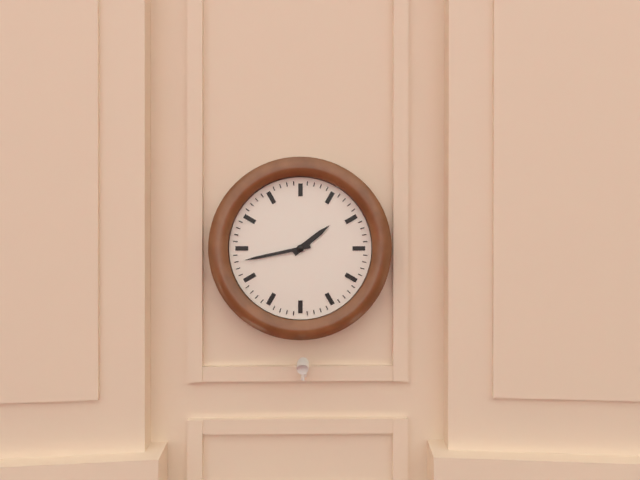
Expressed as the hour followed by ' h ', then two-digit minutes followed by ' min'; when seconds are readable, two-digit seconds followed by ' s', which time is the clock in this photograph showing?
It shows 1 h 43 min
